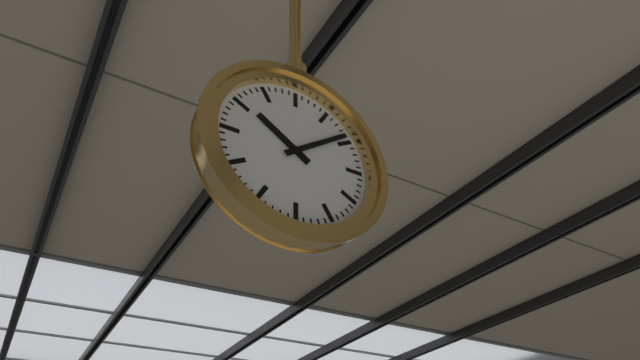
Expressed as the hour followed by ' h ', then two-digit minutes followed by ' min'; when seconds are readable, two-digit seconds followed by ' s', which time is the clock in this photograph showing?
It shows 10 h 09 min
